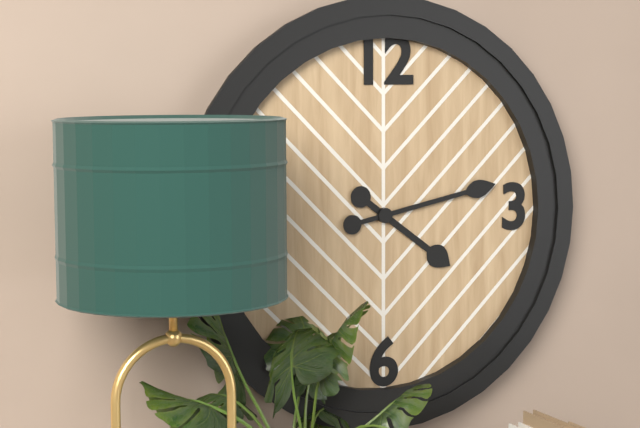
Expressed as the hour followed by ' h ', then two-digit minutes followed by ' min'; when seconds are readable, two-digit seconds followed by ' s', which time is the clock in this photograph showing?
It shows 4 h 13 min
